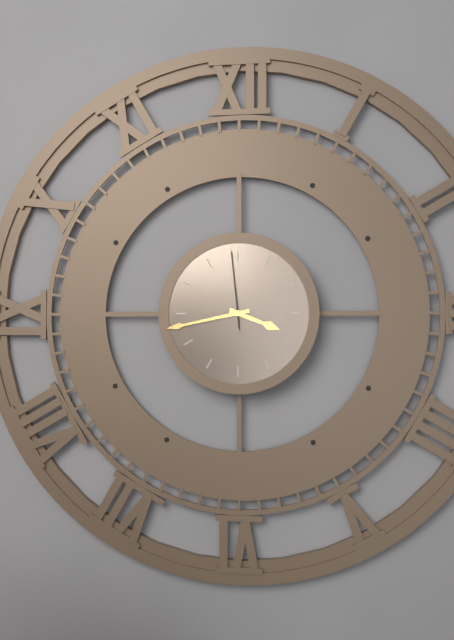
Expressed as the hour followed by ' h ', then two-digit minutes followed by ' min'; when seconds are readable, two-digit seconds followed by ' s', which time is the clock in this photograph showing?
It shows 3 h 43 min 59 s
